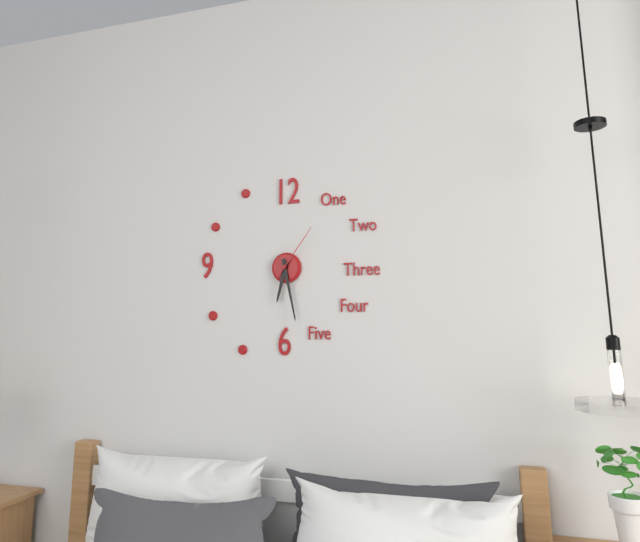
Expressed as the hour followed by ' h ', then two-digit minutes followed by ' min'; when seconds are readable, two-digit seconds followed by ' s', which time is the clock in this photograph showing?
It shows 6 h 28 min 06 s
